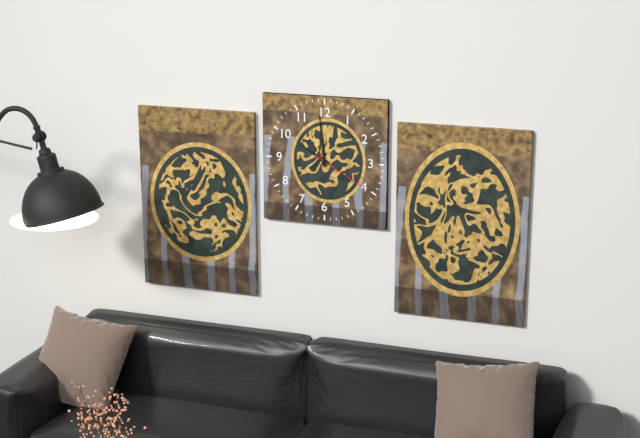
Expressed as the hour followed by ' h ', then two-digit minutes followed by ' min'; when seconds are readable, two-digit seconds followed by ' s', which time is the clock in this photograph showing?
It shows 9 h 59 min 20 s
